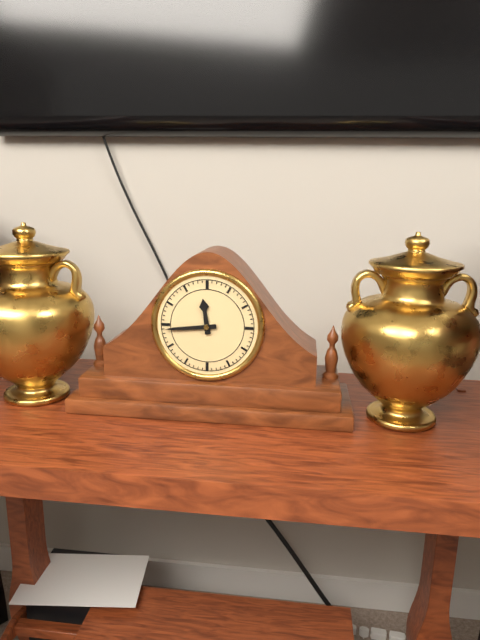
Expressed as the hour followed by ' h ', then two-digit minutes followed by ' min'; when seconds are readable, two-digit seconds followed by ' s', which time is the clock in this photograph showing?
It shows 11 h 44 min
